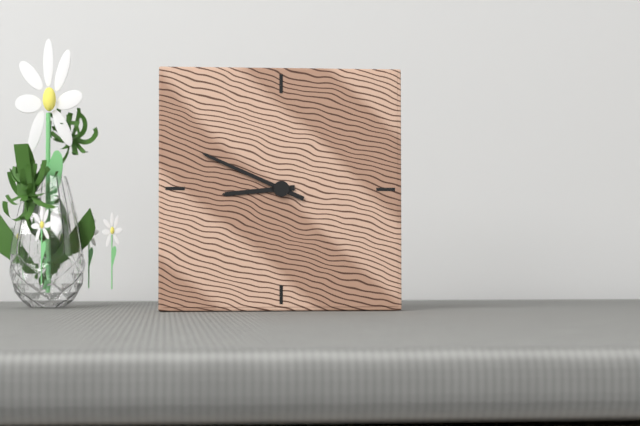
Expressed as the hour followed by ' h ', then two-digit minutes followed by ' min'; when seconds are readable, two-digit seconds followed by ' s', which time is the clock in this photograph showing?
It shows 8 h 49 min
